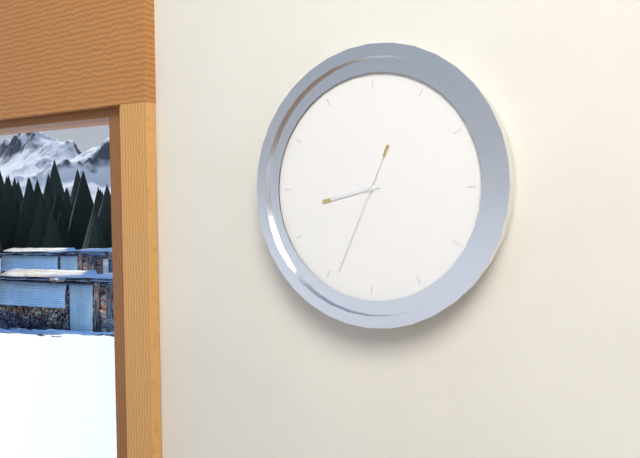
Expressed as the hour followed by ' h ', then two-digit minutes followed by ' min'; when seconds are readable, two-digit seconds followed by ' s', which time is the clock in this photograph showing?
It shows 8 h 34 min 34 s
